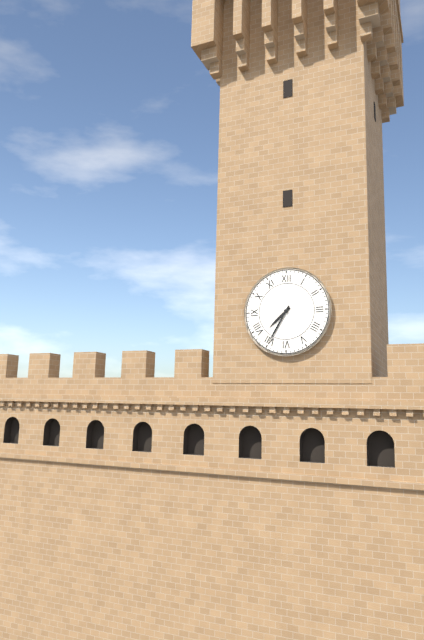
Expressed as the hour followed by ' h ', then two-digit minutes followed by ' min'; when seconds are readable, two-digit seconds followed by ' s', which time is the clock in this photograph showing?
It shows 7 h 35 min
